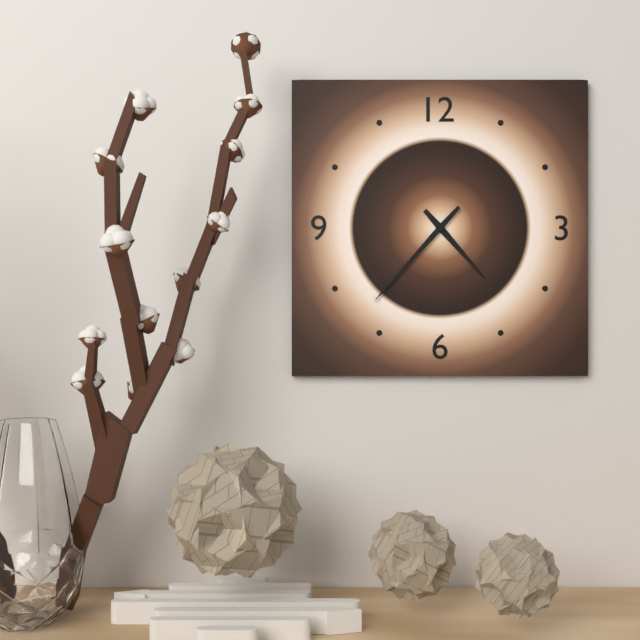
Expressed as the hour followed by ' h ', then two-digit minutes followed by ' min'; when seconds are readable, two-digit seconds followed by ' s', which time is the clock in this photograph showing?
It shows 4 h 37 min
